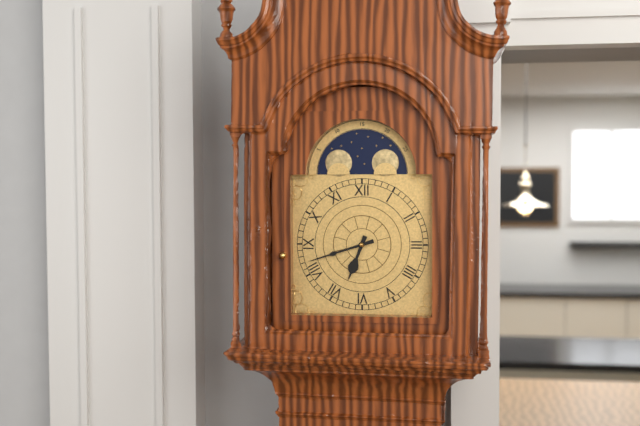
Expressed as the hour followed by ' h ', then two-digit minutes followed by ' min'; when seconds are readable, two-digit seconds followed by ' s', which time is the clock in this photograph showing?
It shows 6 h 42 min
